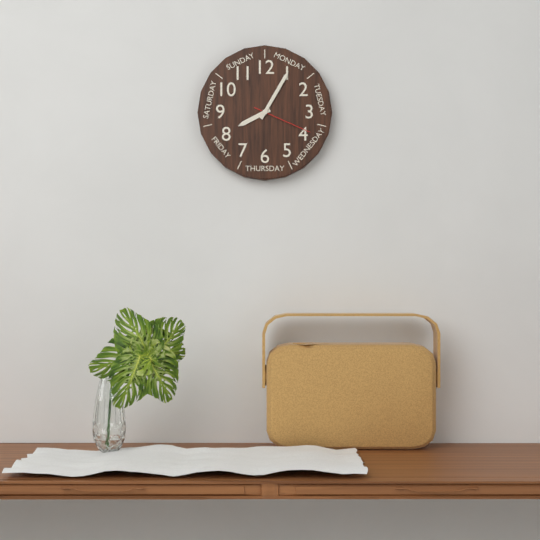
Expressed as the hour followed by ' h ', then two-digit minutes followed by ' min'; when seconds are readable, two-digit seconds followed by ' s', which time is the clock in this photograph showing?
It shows 8 h 05 min 19 s
